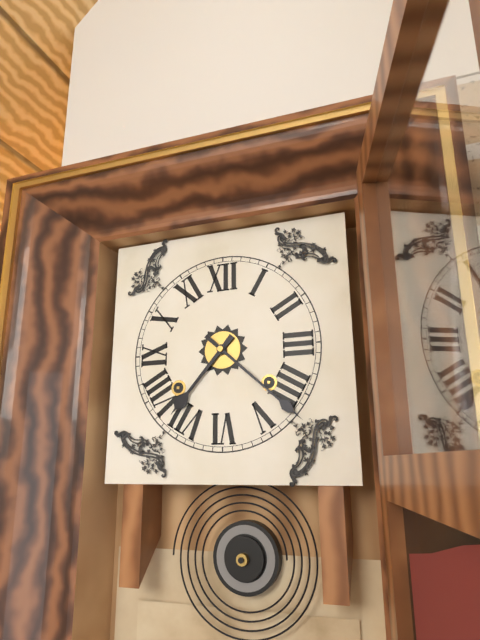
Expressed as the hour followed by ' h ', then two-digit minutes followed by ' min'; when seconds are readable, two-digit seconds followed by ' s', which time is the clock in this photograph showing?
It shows 7 h 22 min
